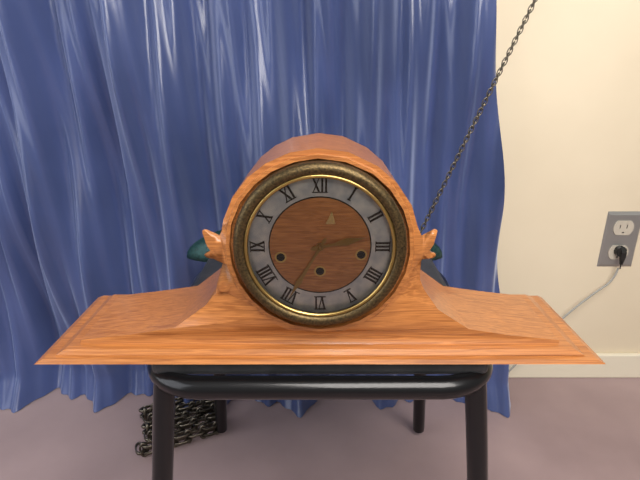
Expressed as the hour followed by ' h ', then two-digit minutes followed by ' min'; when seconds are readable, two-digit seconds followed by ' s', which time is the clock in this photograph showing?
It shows 2 h 35 min
